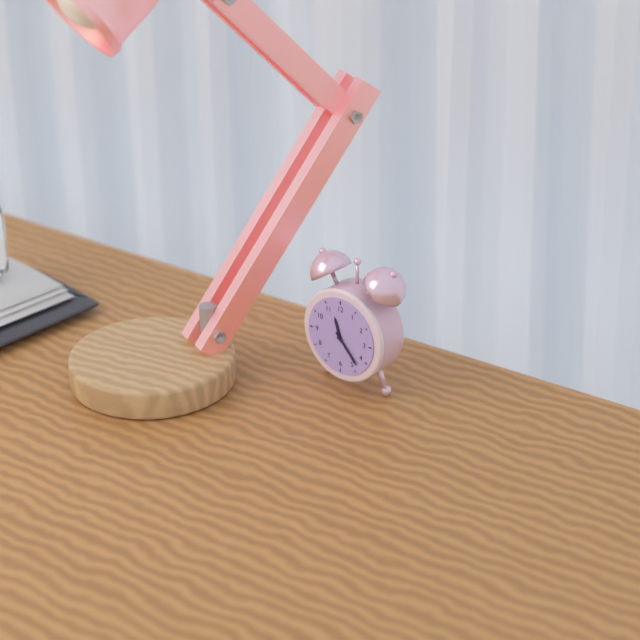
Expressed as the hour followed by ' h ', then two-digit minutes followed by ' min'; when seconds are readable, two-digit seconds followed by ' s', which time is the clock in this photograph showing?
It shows 11 h 23 min
